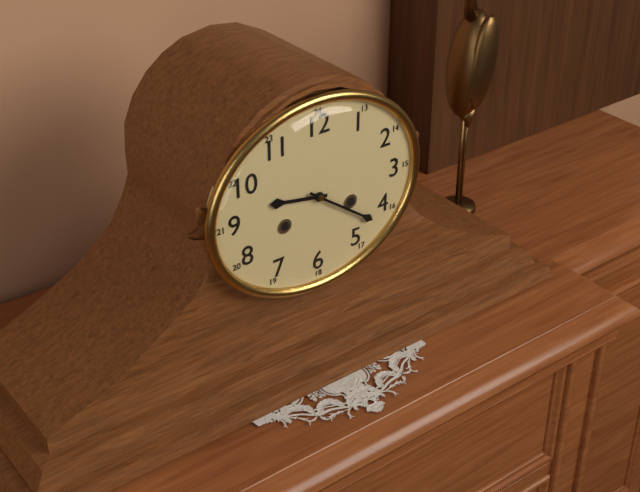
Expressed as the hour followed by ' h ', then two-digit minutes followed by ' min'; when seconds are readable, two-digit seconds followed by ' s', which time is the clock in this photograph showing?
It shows 9 h 21 min
